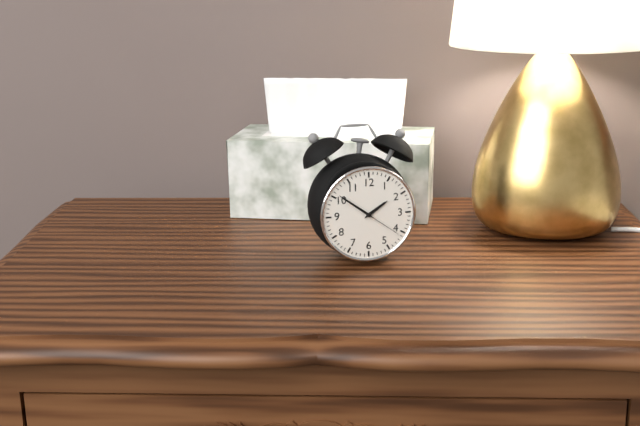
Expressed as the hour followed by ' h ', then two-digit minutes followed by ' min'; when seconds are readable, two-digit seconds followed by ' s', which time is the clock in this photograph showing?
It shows 1 h 51 min
